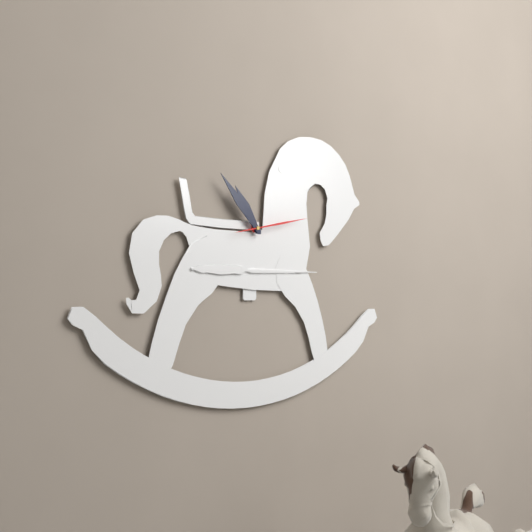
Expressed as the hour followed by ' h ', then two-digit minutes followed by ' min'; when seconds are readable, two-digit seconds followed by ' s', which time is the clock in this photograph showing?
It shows 10 h 53 min 13 s
